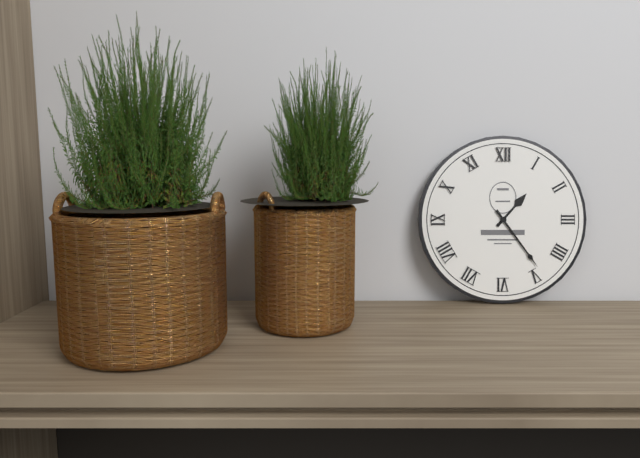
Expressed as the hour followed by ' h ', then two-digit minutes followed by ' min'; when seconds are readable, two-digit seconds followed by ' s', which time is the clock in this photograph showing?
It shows 1 h 24 min
